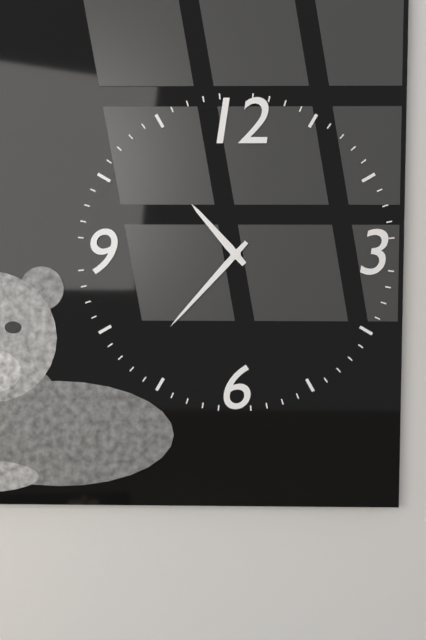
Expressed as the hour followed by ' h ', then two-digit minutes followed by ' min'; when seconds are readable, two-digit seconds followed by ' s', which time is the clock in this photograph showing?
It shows 10 h 37 min
